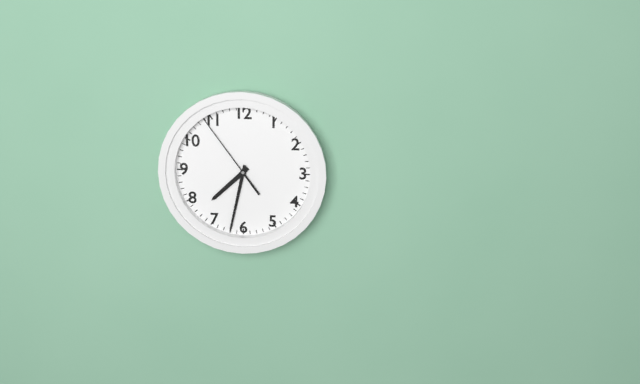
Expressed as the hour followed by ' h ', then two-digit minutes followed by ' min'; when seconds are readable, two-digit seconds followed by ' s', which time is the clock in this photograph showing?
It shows 7 h 32 min 54 s
